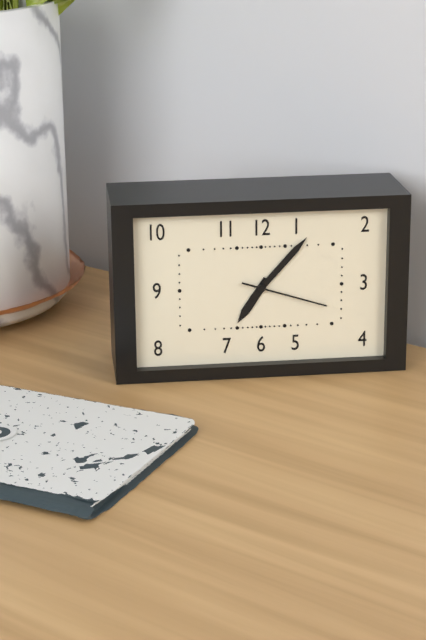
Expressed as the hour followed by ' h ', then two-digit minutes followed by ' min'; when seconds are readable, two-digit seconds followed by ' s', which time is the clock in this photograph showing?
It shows 7 h 07 min 18 s
